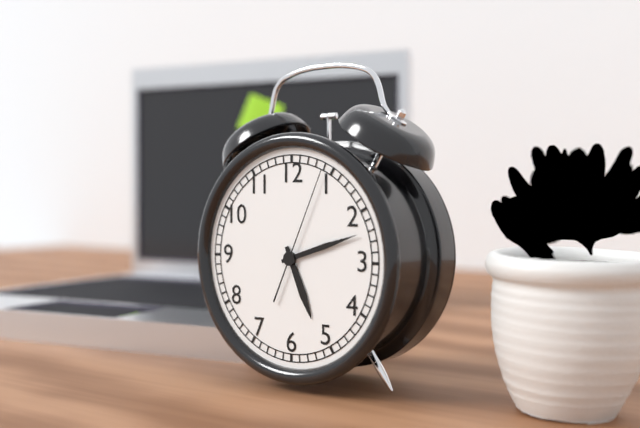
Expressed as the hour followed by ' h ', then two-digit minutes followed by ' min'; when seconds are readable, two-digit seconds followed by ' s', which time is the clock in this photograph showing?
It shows 5 h 12 min 04 s
